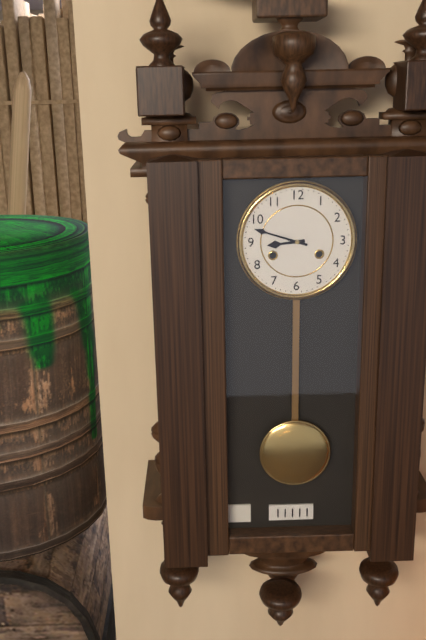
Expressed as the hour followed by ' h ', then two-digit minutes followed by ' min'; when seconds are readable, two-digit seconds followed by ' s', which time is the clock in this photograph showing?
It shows 8 h 48 min
